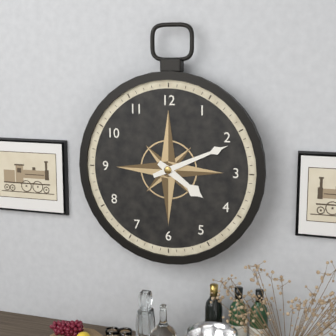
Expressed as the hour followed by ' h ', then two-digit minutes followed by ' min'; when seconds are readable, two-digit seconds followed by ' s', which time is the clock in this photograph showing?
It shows 4 h 11 min
